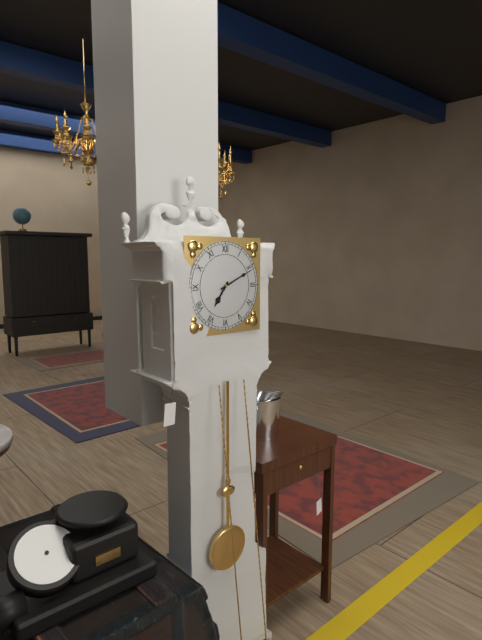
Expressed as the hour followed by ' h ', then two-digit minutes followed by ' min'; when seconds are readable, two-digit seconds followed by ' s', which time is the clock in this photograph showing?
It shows 7 h 11 min
